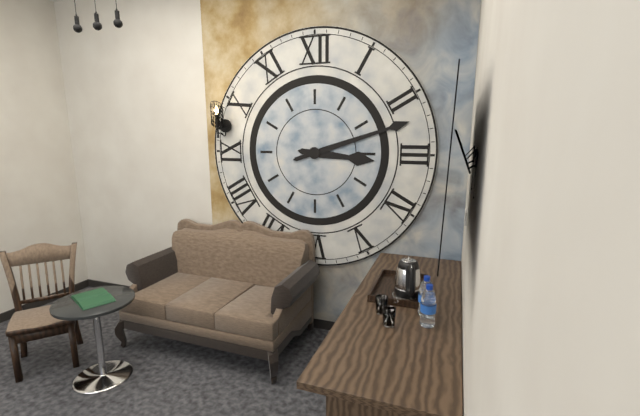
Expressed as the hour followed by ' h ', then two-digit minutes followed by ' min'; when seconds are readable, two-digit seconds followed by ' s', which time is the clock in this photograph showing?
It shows 3 h 12 min
